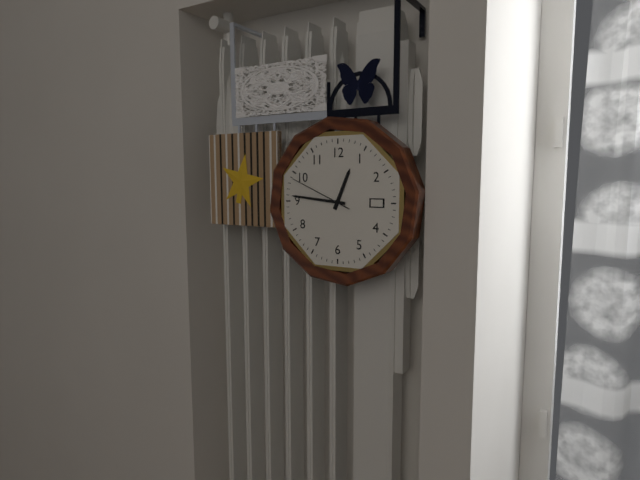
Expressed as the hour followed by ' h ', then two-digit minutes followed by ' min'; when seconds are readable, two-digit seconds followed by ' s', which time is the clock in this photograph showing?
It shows 12 h 46 min 49 s
